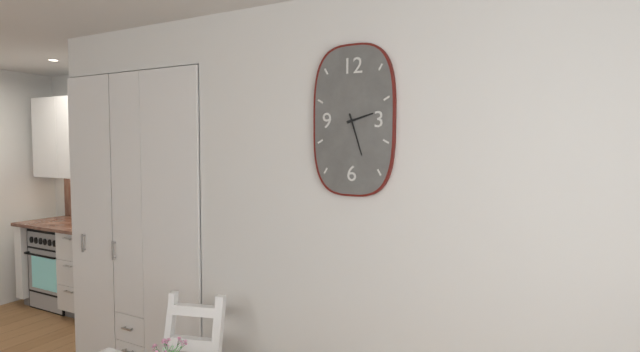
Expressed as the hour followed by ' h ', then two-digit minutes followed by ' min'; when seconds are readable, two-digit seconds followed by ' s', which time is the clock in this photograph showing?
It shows 2 h 27 min
